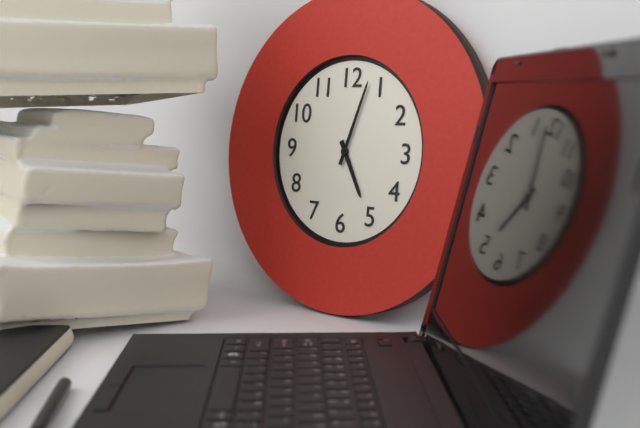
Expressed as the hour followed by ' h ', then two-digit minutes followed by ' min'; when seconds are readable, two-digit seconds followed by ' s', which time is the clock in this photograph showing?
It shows 5 h 03 min
